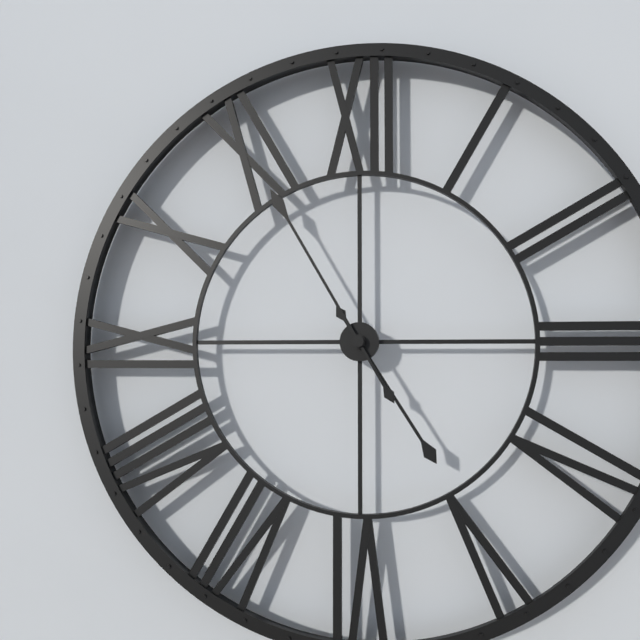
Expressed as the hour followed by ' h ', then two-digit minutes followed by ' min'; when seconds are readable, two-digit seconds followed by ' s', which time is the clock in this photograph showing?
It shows 4 h 55 min
